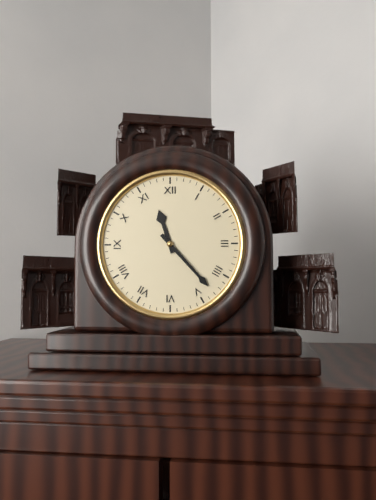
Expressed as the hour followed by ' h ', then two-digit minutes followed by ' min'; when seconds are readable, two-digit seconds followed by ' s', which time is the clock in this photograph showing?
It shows 11 h 23 min
